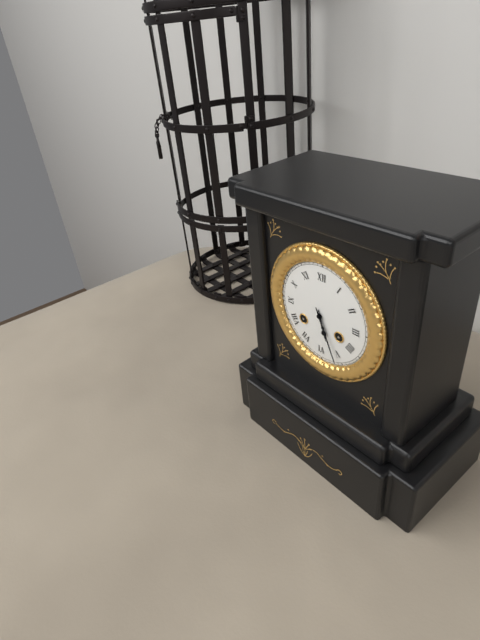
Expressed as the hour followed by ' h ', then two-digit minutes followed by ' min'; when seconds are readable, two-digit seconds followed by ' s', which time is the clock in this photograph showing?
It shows 5 h 26 min
